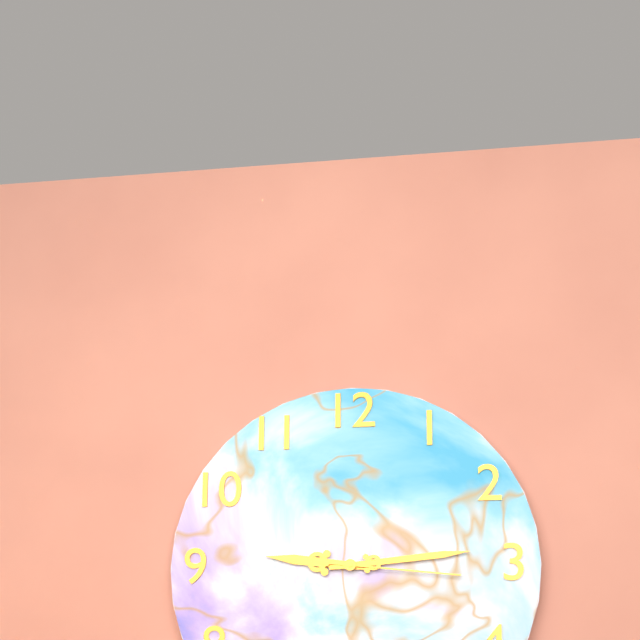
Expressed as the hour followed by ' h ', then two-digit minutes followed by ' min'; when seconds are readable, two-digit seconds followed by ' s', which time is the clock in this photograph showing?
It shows 9 h 14 min 16 s
